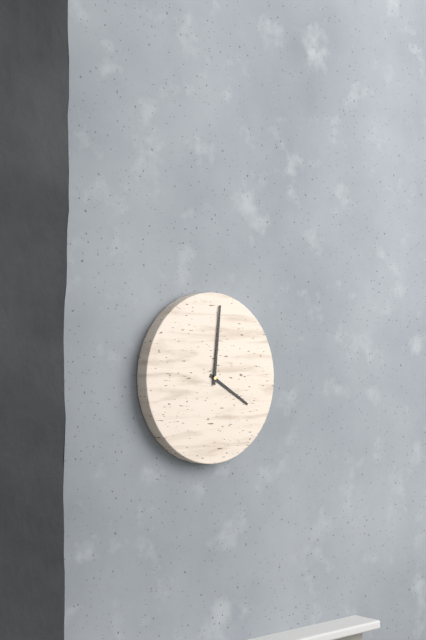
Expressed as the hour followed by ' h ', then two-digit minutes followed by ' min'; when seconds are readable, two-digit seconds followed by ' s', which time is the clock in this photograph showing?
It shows 4 h 01 min
